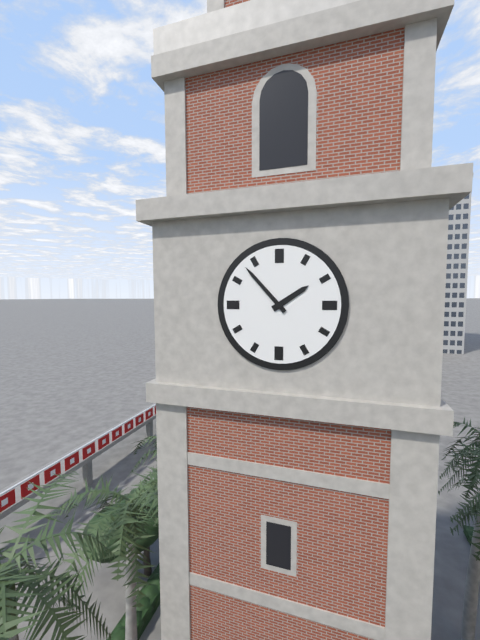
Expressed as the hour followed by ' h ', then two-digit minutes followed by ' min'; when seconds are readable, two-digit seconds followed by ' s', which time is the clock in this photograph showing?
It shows 1 h 53 min
